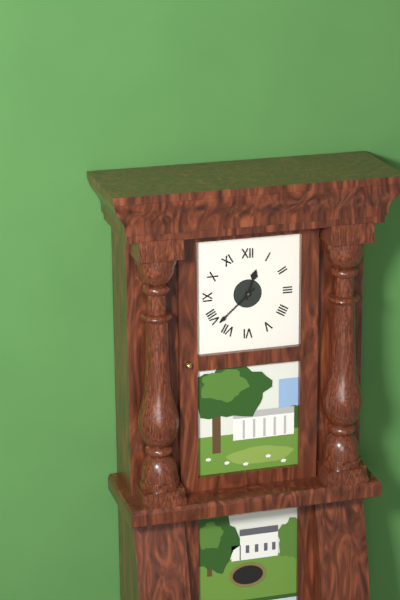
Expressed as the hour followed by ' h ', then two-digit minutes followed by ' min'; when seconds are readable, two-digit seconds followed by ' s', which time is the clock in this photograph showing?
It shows 12 h 38 min
